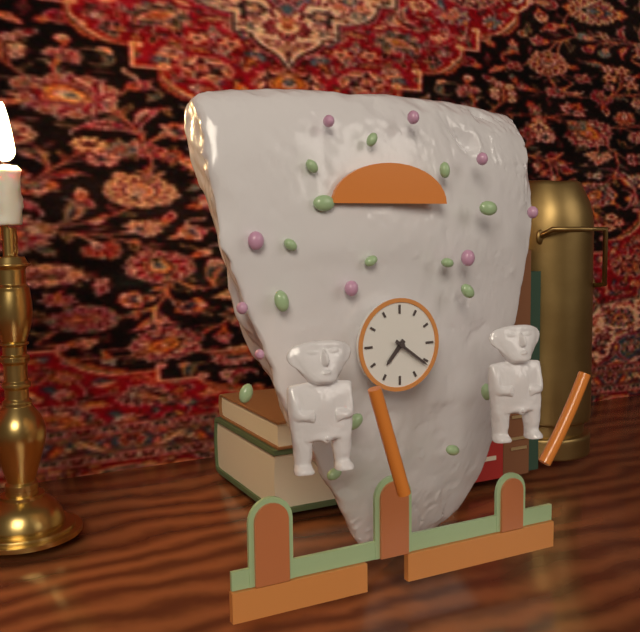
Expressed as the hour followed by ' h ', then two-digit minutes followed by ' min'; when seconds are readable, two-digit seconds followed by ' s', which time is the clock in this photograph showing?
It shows 7 h 21 min
